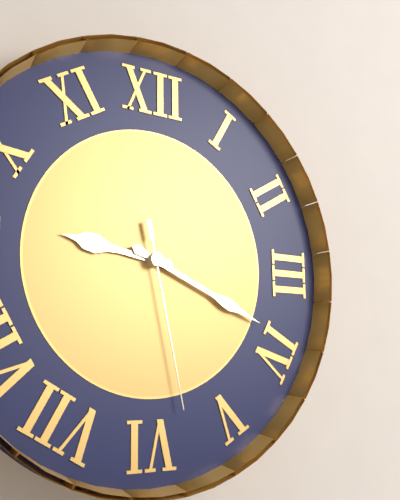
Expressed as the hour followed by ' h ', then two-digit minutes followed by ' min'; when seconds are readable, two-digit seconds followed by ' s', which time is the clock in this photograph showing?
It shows 9 h 19 min 28 s
